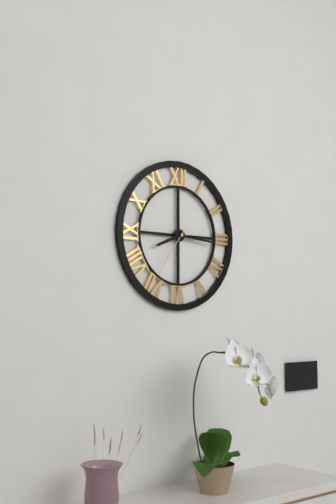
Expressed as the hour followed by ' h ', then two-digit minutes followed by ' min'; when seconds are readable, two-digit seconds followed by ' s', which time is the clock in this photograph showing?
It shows 8 h 16 min
